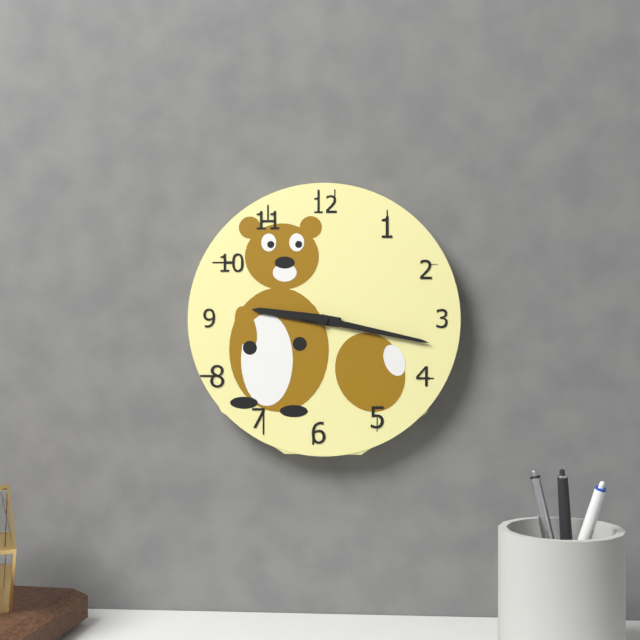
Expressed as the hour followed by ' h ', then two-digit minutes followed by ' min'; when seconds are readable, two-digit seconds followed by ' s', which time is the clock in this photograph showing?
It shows 9 h 17 min
